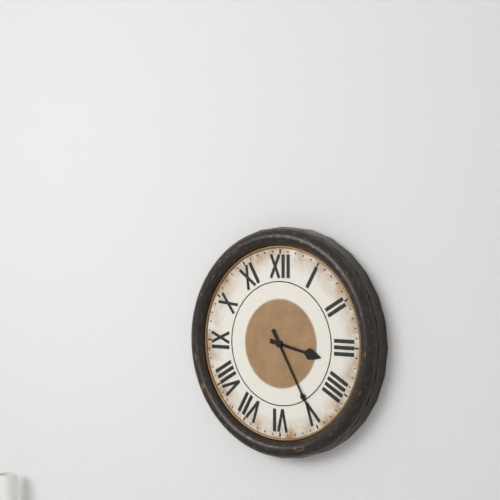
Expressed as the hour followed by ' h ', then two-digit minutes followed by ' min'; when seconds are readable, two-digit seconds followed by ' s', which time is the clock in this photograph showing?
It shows 3 h 25 min
